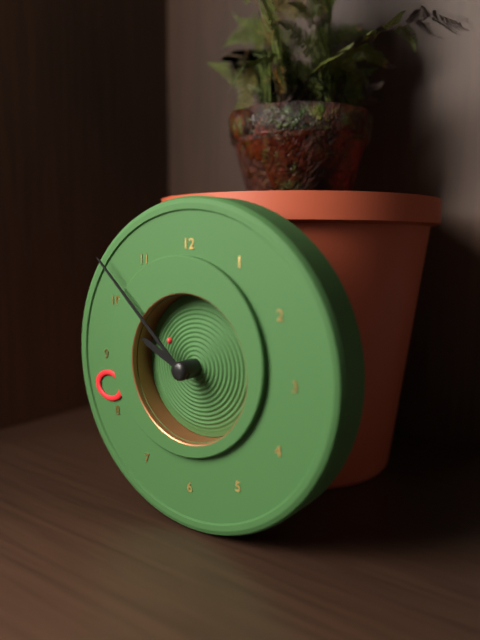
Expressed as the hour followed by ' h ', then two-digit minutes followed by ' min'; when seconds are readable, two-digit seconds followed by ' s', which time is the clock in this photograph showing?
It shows 9 h 52 min 50 s
